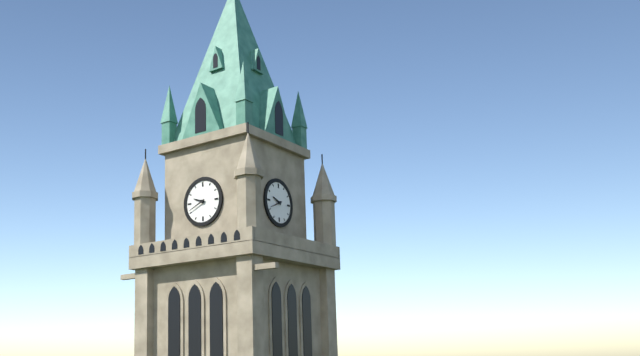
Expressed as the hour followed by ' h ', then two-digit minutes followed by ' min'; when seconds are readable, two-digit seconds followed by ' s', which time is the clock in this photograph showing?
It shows 9 h 41 min
